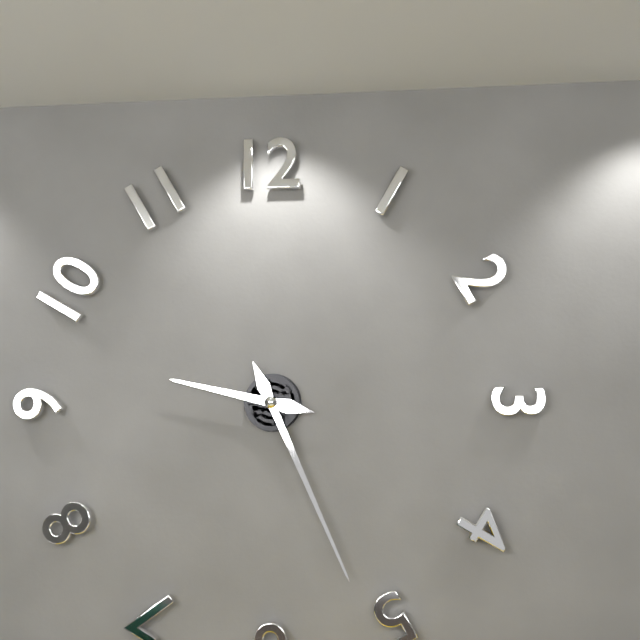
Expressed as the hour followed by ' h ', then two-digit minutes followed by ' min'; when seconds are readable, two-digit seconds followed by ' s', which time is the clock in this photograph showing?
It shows 9 h 26 min
